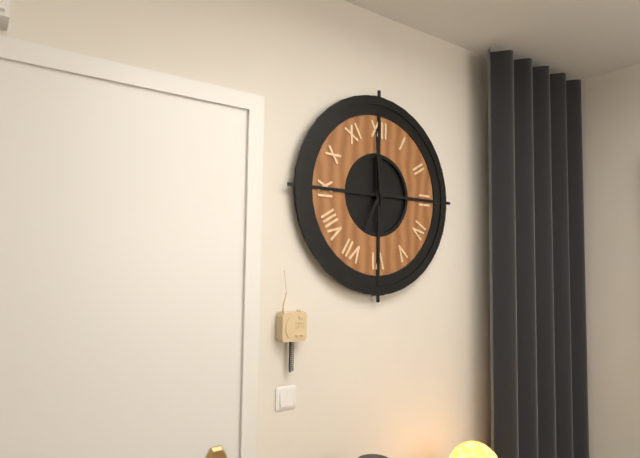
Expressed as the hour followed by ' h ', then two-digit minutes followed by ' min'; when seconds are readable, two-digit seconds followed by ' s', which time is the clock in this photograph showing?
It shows 6 h 59 min
